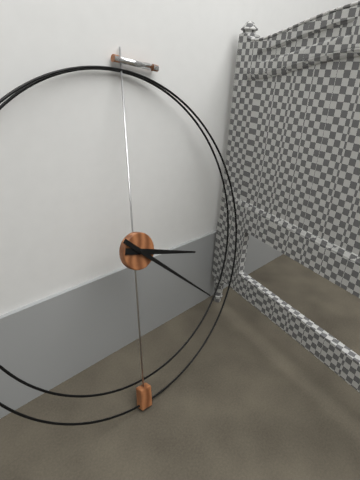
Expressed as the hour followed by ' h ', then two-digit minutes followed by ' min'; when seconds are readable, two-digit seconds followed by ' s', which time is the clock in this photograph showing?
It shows 3 h 21 min
